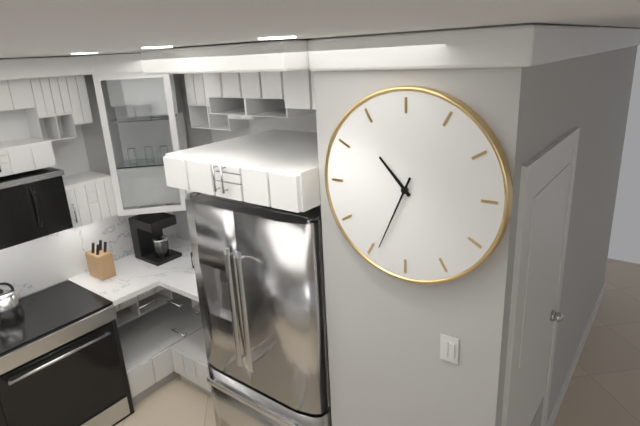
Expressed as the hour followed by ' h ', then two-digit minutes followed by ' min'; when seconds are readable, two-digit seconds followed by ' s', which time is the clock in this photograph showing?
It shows 10 h 34 min
